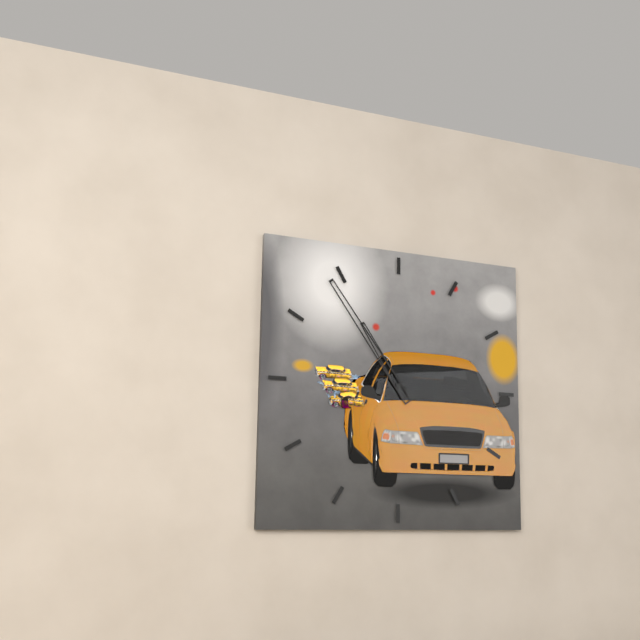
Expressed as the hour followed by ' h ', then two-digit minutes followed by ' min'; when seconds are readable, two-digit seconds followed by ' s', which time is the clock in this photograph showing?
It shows 10 h 54 min
